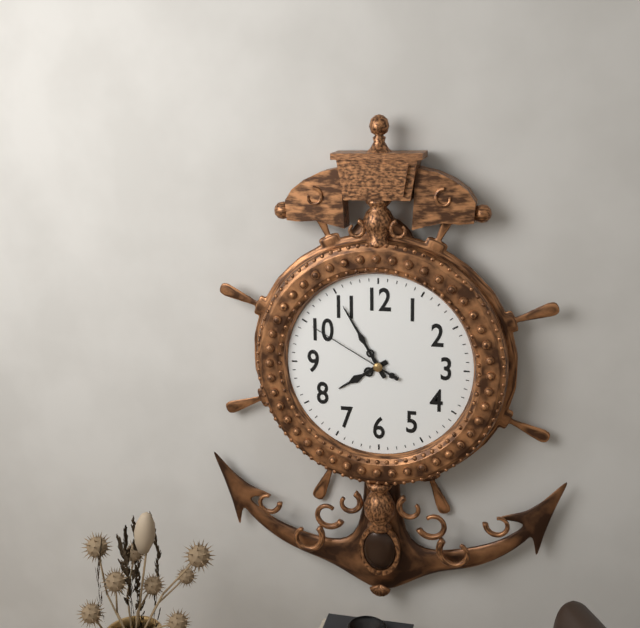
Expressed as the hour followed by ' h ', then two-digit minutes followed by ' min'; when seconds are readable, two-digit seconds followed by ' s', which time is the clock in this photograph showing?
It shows 7 h 55 min 50 s
